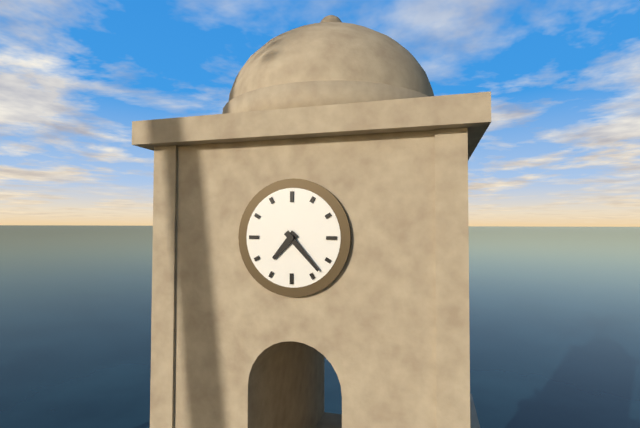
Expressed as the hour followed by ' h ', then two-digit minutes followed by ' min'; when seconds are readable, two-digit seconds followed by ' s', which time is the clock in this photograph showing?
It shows 7 h 23 min
